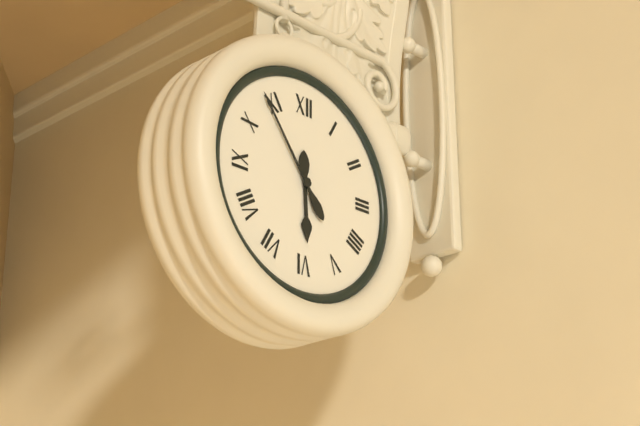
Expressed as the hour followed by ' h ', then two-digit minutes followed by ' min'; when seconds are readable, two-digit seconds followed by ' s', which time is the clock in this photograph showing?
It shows 5 h 54 min
